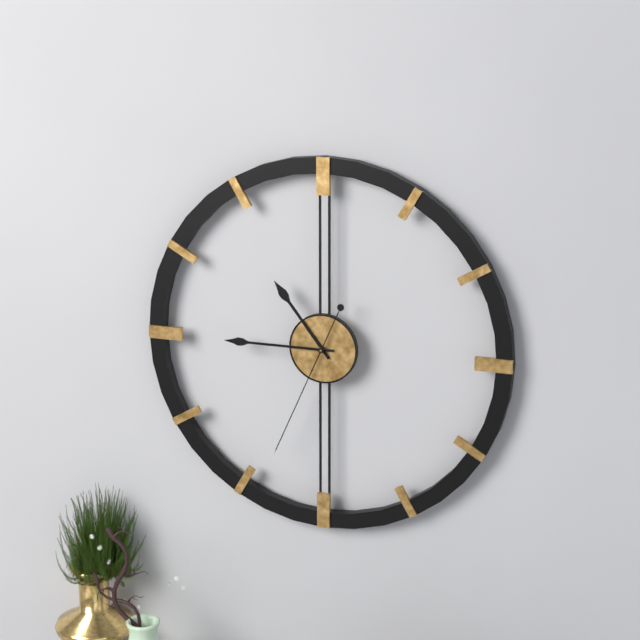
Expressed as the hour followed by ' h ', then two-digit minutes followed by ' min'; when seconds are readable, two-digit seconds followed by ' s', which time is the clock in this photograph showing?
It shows 10 h 45 min 34 s
